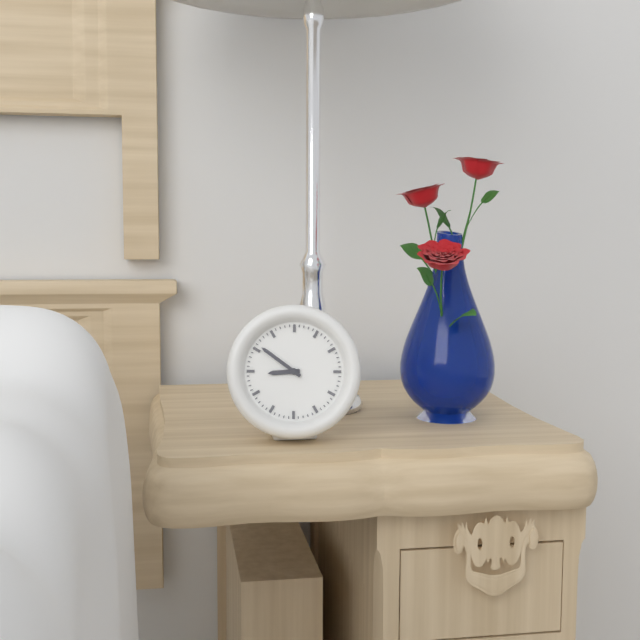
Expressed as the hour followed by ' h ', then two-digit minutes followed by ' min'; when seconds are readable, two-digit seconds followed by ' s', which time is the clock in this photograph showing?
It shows 8 h 51 min
